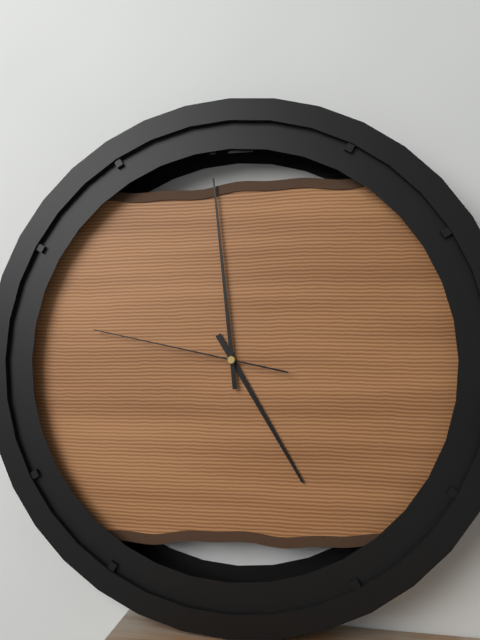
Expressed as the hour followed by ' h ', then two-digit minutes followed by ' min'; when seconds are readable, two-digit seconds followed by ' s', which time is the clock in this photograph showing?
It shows 4 h 59 min 47 s
